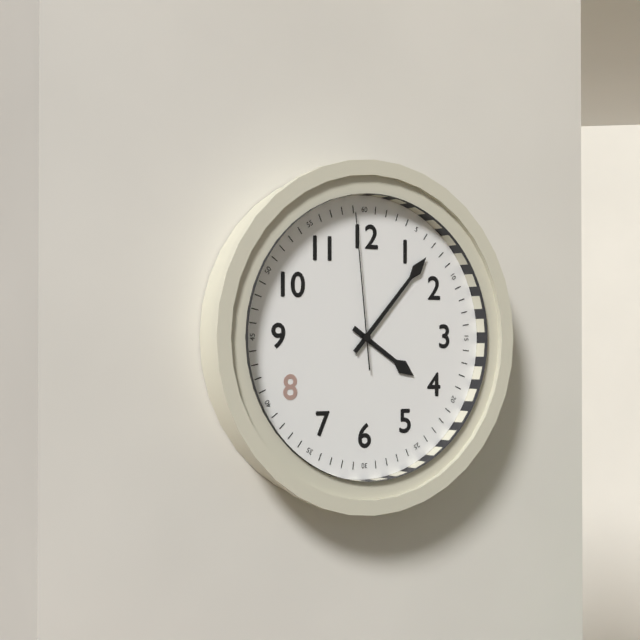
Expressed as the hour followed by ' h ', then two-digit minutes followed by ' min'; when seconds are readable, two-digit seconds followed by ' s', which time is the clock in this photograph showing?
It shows 4 h 07 min 59 s
